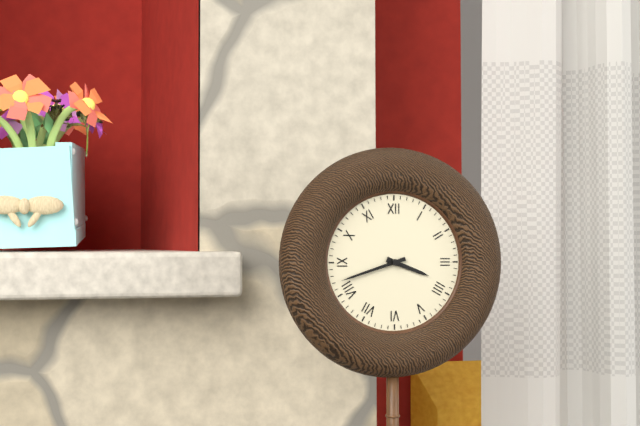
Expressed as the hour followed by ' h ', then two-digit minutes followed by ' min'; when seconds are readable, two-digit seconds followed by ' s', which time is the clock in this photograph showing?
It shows 3 h 42 min
